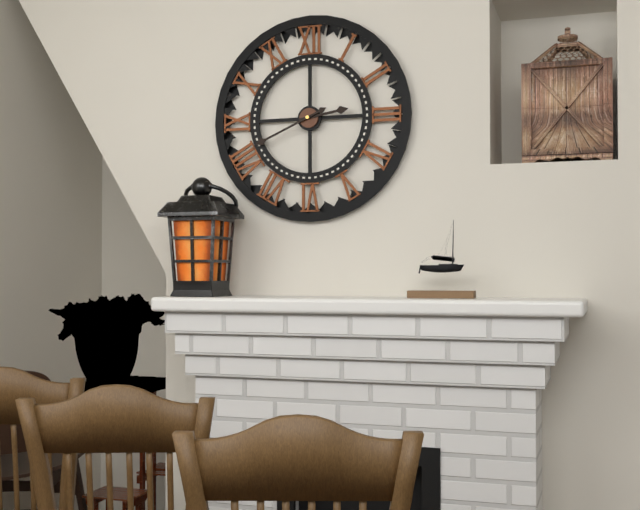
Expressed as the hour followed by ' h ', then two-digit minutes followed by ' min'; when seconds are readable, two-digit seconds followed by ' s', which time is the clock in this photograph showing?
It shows 2 h 41 min
